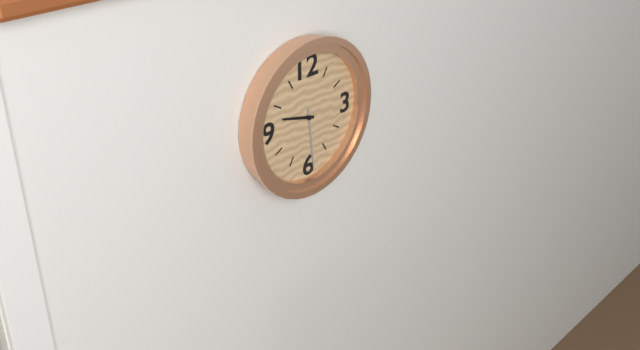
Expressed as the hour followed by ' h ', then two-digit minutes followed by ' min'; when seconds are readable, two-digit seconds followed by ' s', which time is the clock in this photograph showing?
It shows 9 h 29 min
